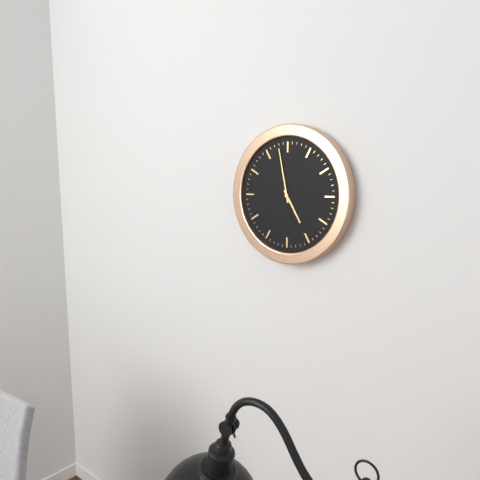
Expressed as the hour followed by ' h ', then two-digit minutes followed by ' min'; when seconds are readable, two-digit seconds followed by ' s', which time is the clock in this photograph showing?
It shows 4 h 58 min
